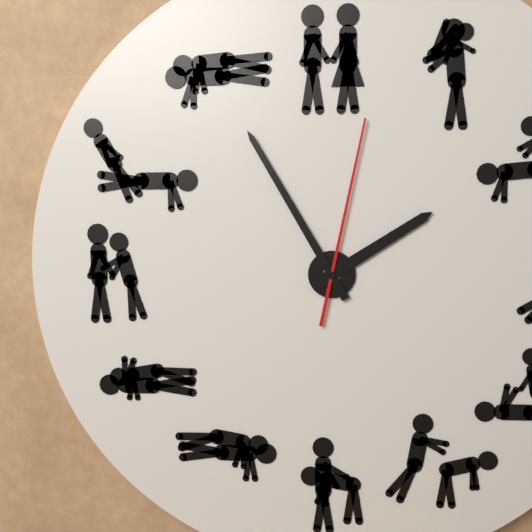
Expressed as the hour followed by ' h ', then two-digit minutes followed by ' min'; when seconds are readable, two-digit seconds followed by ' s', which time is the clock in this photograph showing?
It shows 1 h 55 min 02 s
